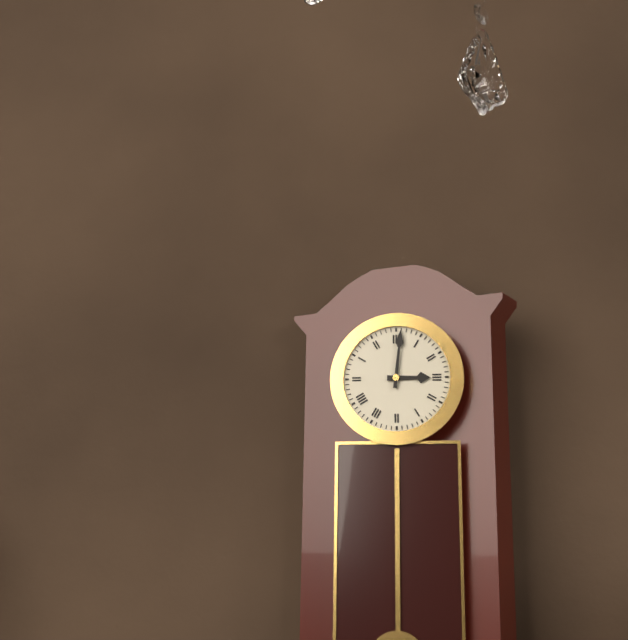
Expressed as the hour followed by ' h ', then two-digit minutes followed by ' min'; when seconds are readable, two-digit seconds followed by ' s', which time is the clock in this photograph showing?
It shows 3 h 01 min
